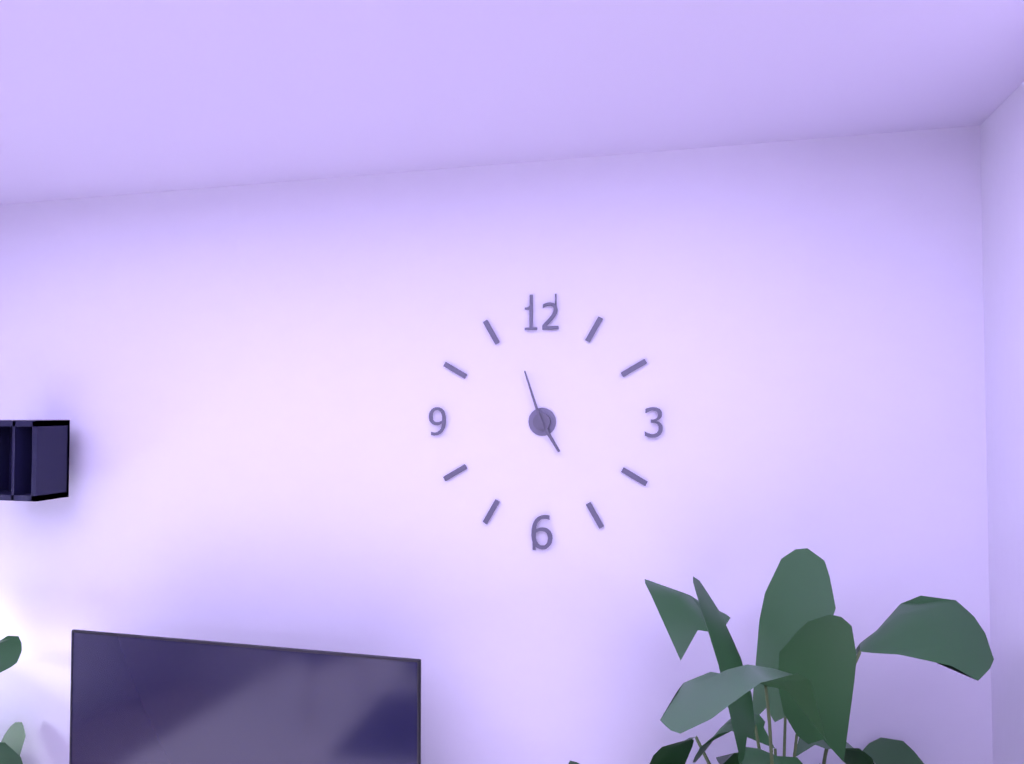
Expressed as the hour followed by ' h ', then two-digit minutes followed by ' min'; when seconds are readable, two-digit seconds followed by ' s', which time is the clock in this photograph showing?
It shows 4 h 57 min
